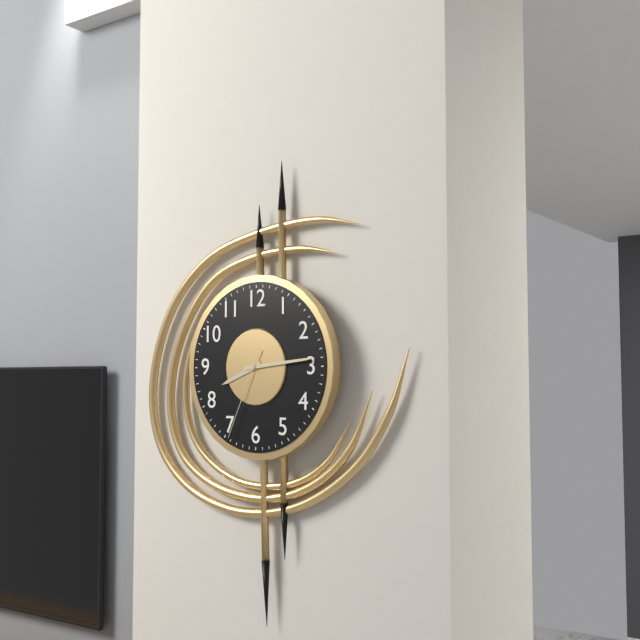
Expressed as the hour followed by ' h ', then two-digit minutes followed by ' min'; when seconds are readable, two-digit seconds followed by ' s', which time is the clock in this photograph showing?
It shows 8 h 14 min 34 s
